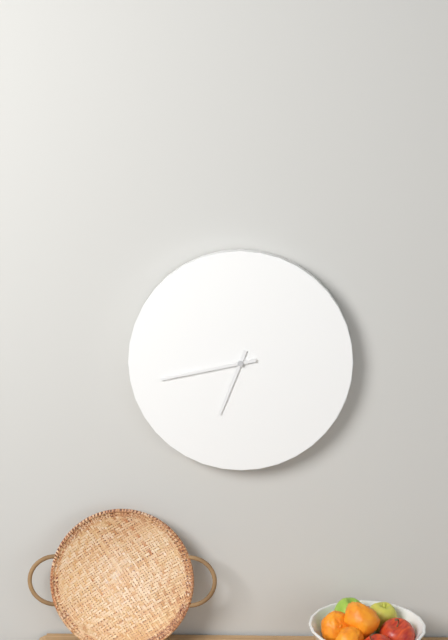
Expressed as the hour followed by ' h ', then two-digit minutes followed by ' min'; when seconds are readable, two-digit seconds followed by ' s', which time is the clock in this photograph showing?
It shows 6 h 43 min
